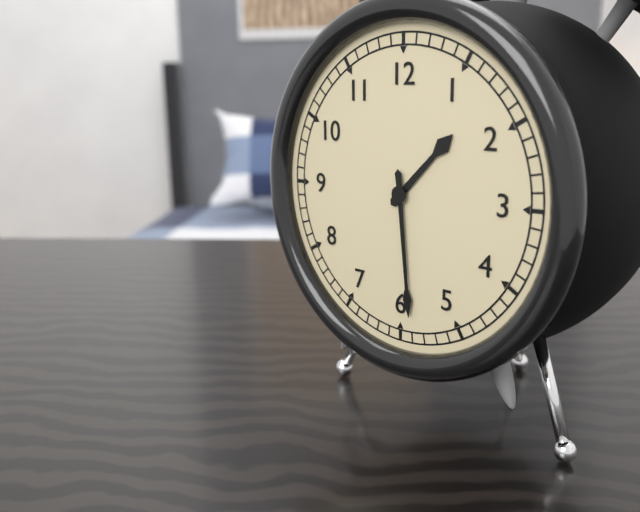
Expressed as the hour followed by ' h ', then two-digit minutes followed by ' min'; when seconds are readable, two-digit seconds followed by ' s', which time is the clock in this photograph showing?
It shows 1 h 29 min
